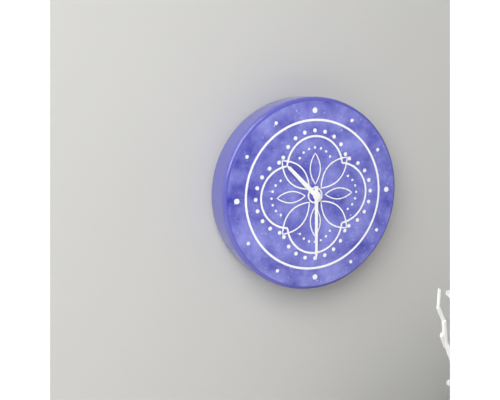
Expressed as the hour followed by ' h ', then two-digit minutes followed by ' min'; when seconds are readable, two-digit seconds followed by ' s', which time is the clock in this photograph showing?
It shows 10 h 30 min
